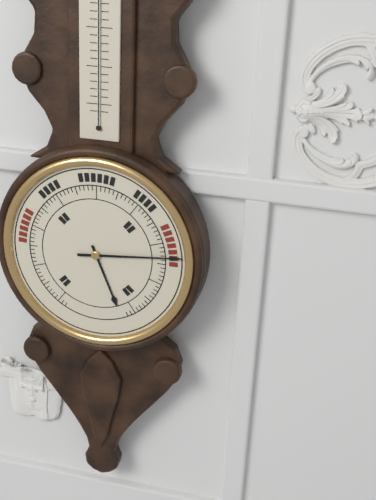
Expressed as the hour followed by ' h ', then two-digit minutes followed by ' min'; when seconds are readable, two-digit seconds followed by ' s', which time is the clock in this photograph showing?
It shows 5 h 14 min
